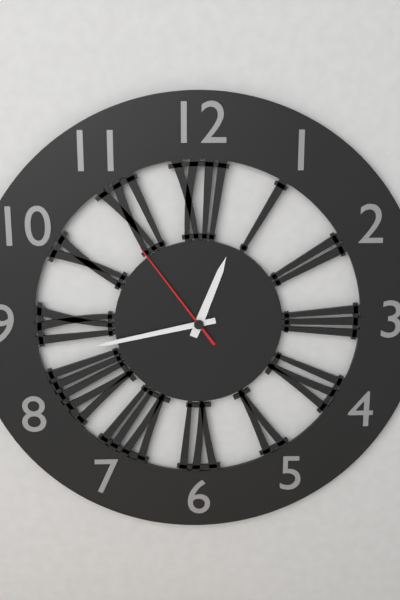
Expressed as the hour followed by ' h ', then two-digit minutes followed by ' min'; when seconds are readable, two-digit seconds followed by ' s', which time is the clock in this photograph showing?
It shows 12 h 43 min 54 s
